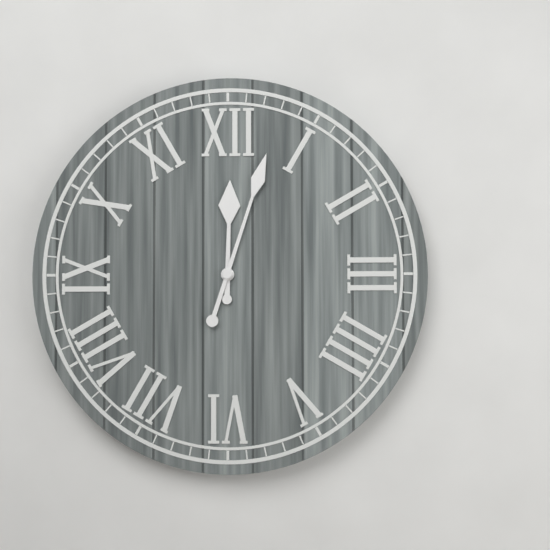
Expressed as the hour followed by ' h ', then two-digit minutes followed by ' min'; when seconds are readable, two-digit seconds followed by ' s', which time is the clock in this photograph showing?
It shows 12 h 03 min
